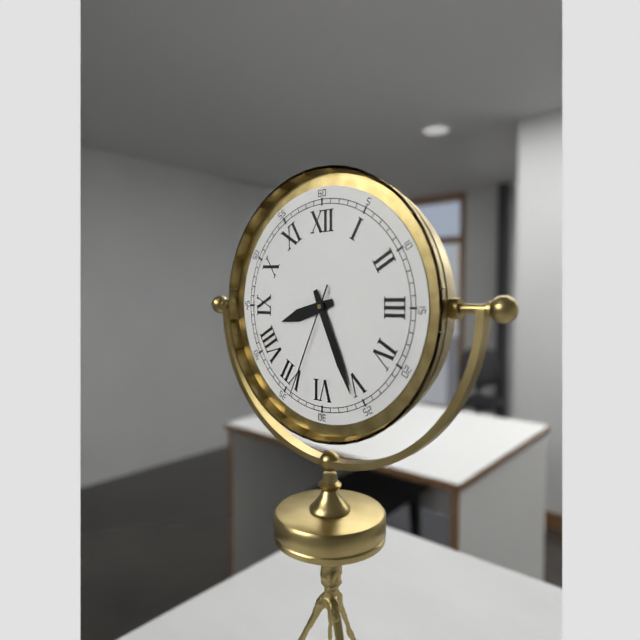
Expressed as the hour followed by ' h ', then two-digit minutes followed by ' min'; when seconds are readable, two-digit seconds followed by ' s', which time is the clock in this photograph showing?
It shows 8 h 26 min 34 s
